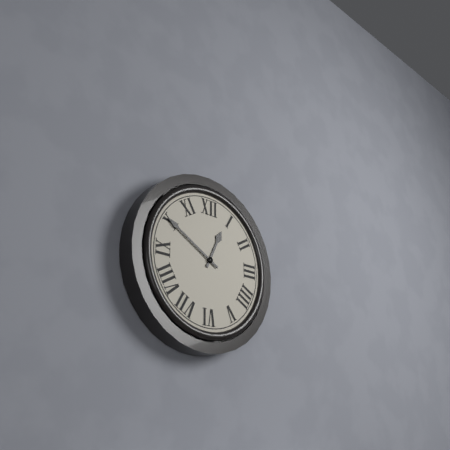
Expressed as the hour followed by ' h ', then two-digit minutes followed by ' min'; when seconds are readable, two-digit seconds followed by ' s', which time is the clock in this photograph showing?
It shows 12 h 50 min
